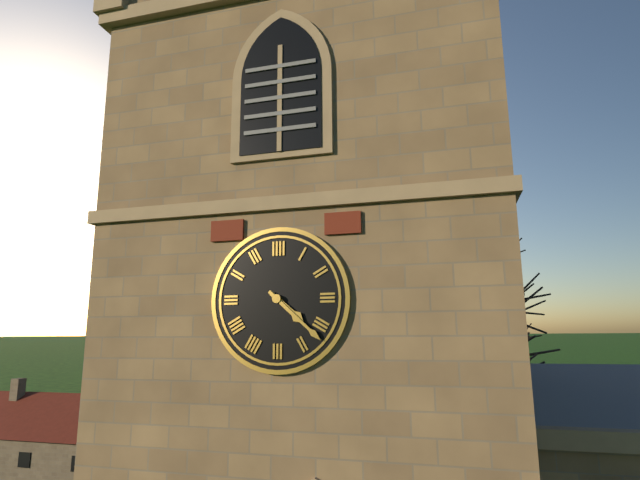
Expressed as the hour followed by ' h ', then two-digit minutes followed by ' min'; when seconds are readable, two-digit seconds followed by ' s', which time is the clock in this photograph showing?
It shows 4 h 22 min
